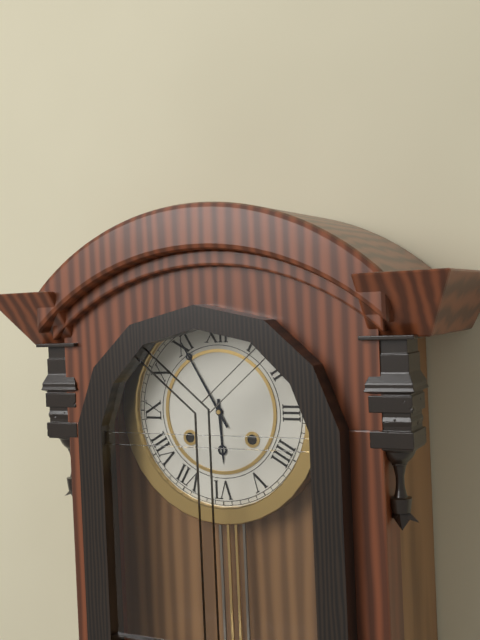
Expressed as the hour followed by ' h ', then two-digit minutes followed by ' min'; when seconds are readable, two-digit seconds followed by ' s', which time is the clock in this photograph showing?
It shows 5 h 55 min
